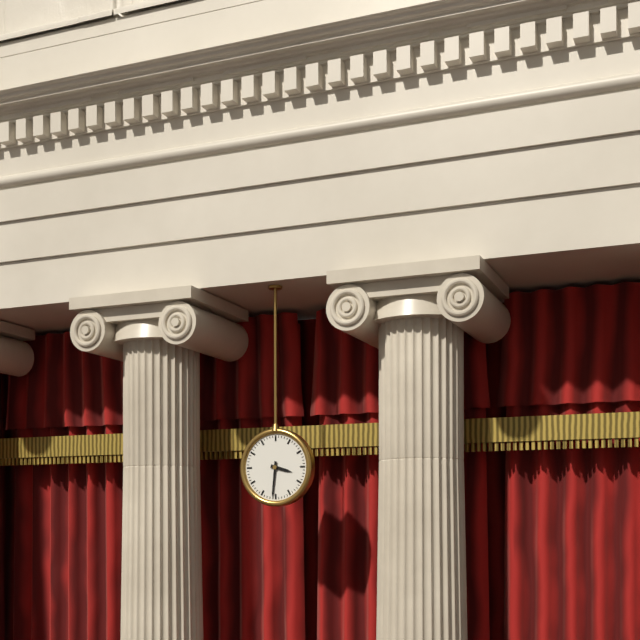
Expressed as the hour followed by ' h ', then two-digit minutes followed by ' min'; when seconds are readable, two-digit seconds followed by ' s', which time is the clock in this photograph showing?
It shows 3 h 31 min
